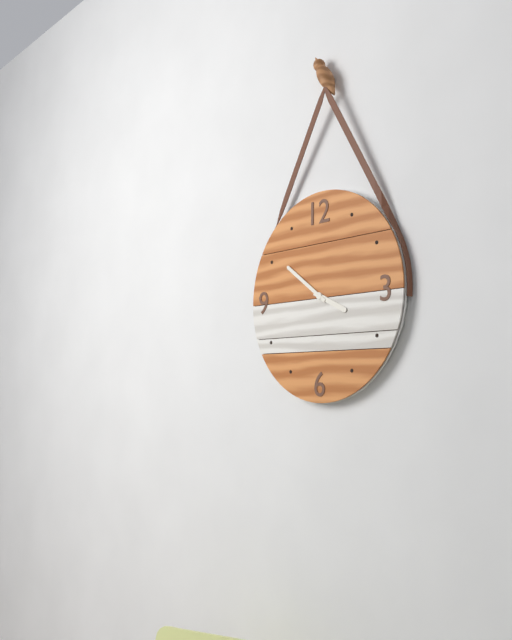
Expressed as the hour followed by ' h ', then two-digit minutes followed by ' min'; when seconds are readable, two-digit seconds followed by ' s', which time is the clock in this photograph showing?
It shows 3 h 51 min
